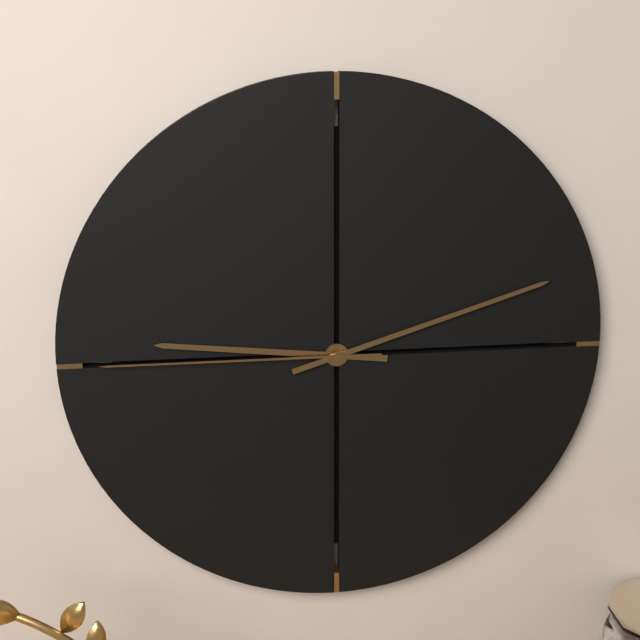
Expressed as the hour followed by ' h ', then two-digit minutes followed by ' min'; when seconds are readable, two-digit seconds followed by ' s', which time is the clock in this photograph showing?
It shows 9 h 12 min 45 s
